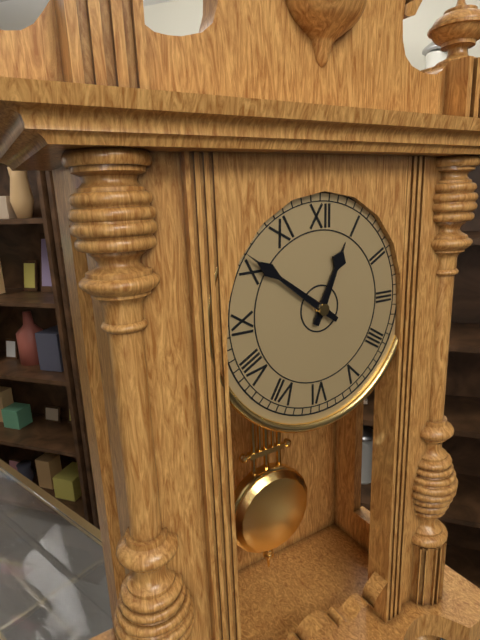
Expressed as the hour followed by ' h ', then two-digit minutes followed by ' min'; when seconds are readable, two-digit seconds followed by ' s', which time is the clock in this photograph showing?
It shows 12 h 51 min
